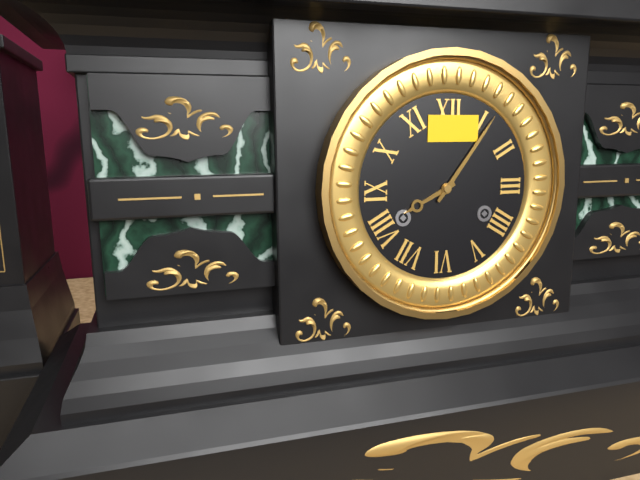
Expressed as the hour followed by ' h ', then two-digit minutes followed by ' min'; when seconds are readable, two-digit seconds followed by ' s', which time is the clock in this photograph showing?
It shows 8 h 06 min
